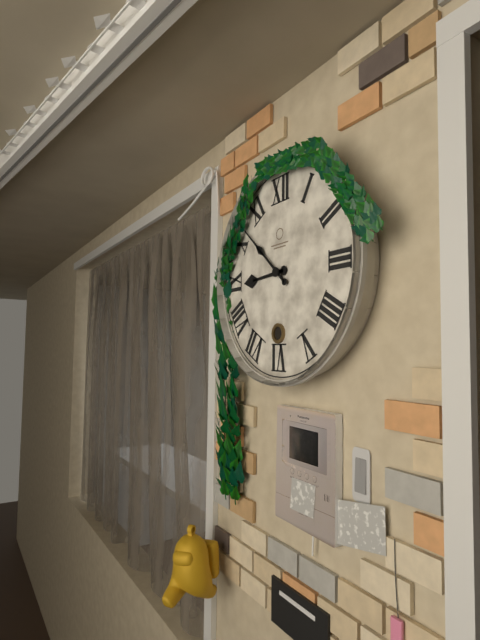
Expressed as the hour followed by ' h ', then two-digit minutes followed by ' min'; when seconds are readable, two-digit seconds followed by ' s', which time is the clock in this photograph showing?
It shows 8 h 52 min
